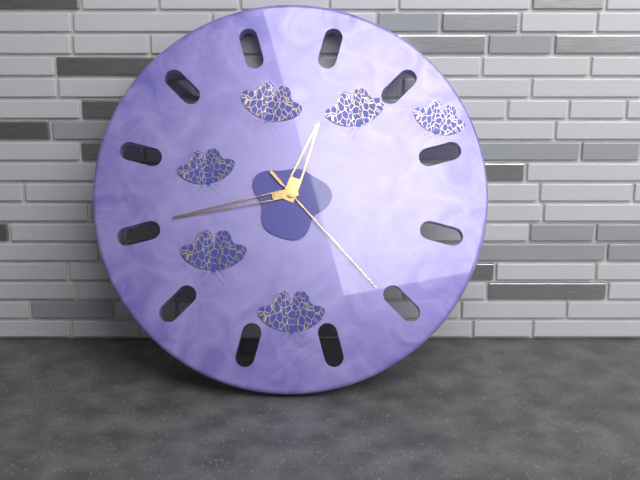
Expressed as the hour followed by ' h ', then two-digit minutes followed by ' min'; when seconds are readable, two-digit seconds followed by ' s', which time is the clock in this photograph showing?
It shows 12 h 43 min 23 s
